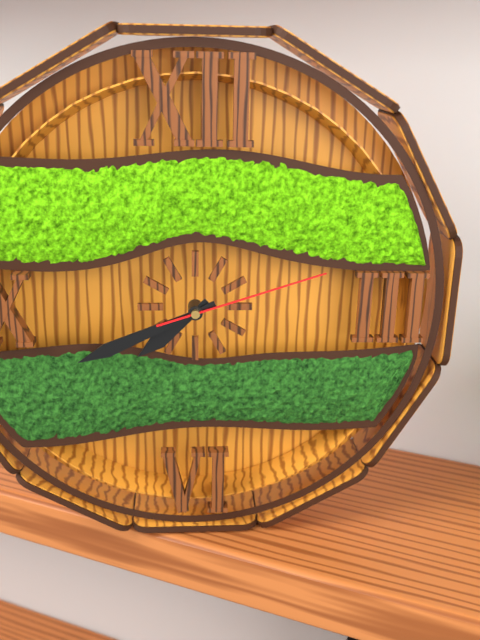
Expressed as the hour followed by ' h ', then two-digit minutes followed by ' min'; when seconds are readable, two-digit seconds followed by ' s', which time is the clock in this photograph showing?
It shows 7 h 41 min 12 s
